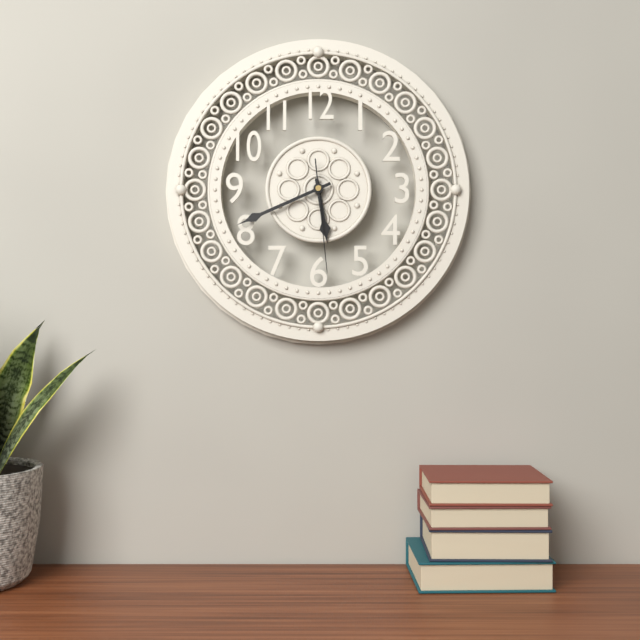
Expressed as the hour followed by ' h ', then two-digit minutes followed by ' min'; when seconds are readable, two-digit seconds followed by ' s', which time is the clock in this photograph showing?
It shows 5 h 41 min 29 s
